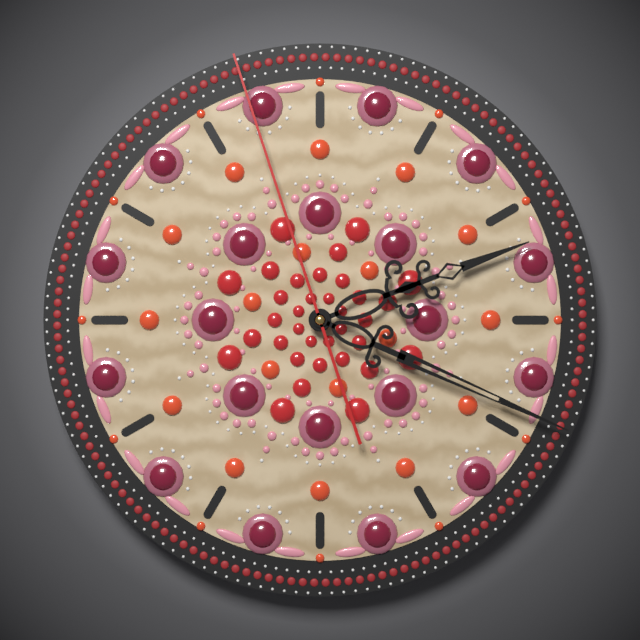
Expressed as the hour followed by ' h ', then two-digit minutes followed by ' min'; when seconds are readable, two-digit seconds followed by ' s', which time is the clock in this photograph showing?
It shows 2 h 19 min 57 s
